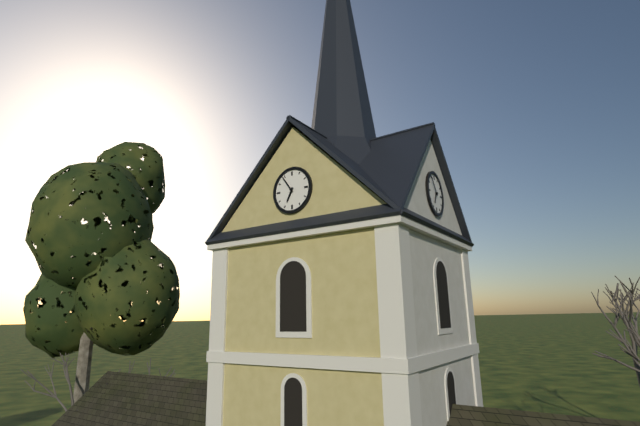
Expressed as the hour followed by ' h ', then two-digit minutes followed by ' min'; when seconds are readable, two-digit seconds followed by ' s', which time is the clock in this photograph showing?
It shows 6 h 54 min
